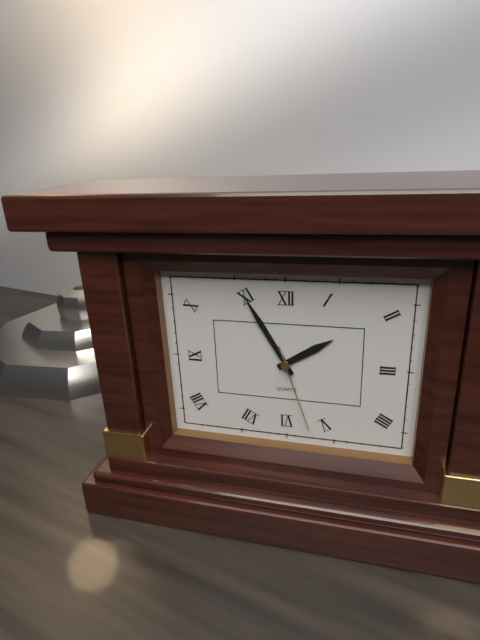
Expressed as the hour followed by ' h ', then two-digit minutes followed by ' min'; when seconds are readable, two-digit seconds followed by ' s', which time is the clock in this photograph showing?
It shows 1 h 55 min 27 s
